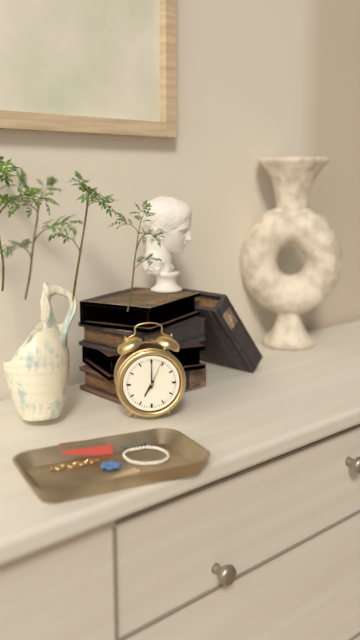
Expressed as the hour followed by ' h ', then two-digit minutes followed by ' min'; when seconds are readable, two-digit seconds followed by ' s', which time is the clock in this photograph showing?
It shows 7 h 00 min
